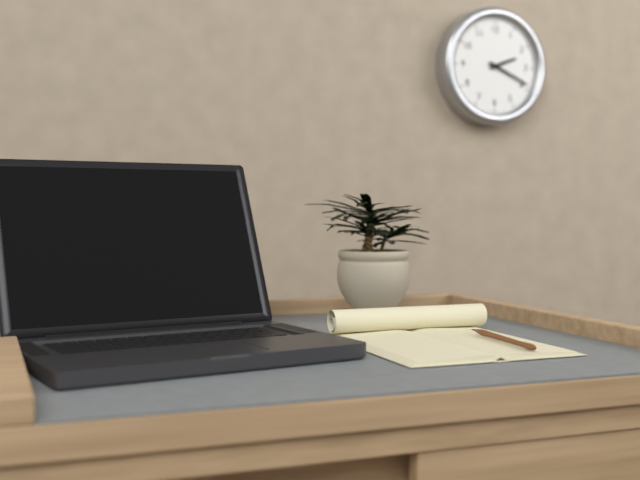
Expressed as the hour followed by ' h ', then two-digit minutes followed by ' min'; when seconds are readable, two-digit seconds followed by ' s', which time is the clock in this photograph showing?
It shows 2 h 19 min
